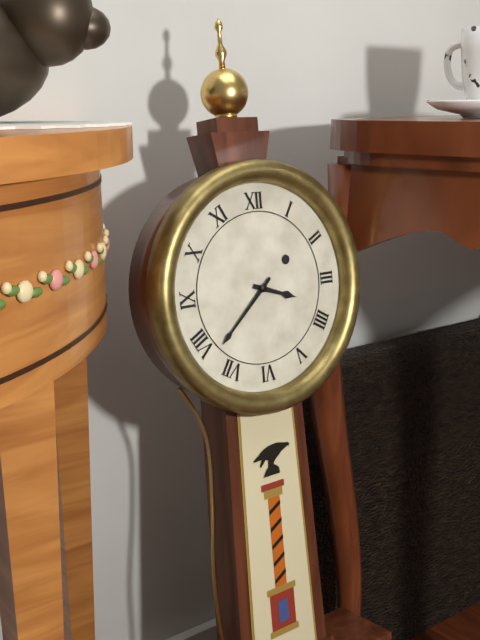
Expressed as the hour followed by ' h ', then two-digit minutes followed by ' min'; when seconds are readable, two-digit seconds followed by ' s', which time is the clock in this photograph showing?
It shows 3 h 38 min
